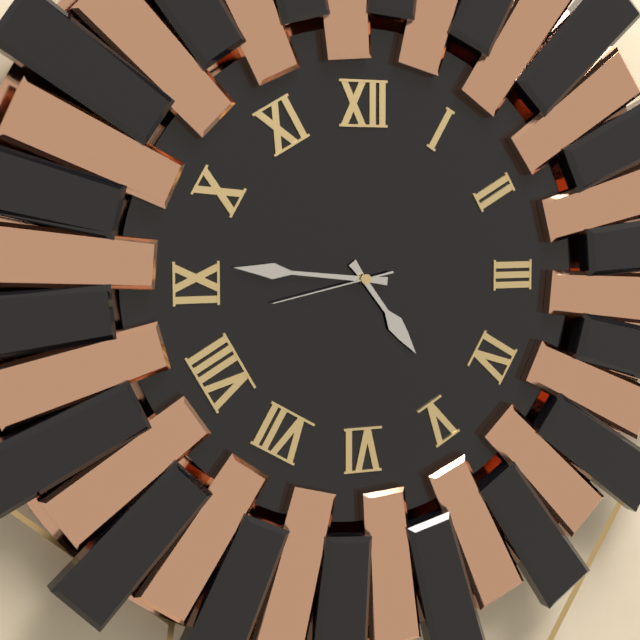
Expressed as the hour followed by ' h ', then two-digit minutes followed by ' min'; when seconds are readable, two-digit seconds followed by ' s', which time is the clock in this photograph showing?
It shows 4 h 46 min 43 s
